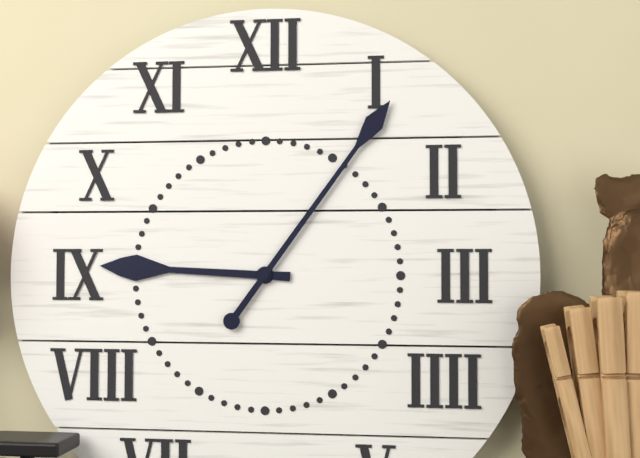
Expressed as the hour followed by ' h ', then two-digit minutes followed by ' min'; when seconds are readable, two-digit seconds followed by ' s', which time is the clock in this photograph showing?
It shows 9 h 06 min
